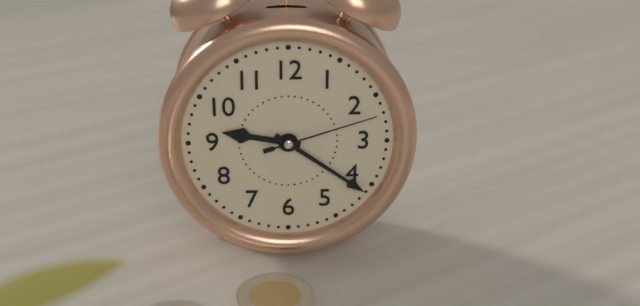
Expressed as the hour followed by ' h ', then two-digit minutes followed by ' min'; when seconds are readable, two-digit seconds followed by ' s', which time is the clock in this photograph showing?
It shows 9 h 21 min 12 s
